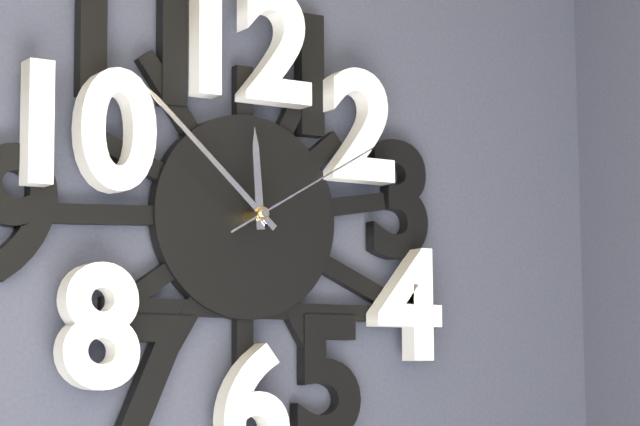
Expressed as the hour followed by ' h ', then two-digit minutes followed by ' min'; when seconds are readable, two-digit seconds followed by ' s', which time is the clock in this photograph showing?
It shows 11 h 52 min 10 s
